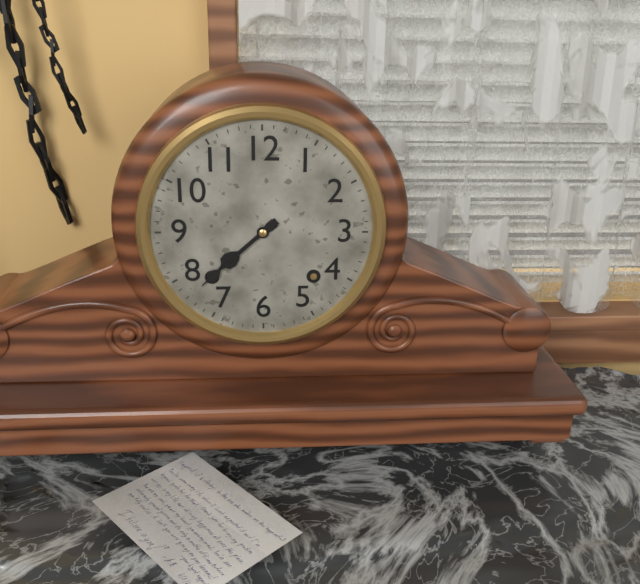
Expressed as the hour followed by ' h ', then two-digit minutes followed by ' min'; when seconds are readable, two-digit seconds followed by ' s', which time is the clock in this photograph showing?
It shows 7 h 38 min
